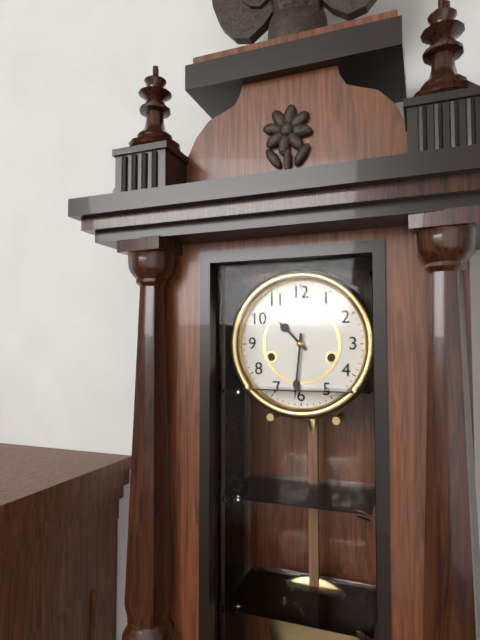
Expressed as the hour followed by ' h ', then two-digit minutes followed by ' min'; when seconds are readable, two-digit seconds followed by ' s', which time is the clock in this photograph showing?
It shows 10 h 31 min
